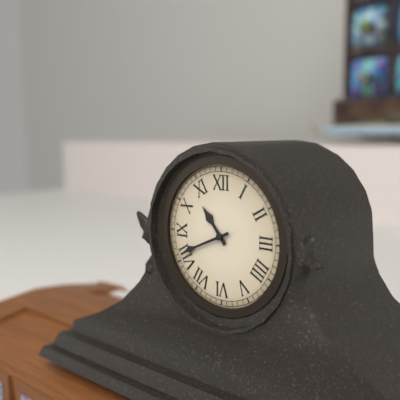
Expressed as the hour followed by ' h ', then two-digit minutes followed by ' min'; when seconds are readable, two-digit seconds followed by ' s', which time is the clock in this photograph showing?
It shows 10 h 41 min
